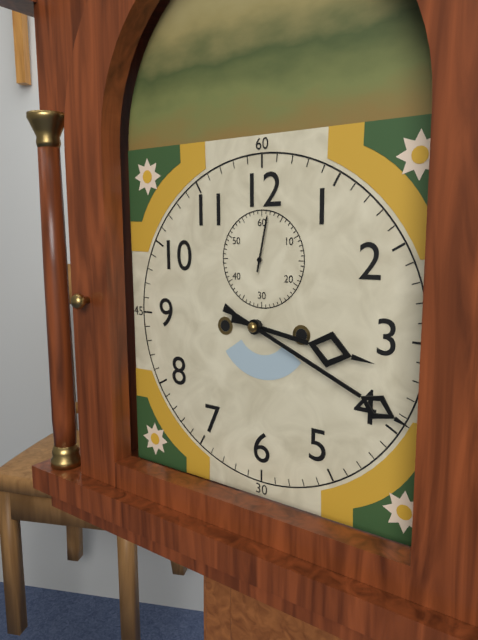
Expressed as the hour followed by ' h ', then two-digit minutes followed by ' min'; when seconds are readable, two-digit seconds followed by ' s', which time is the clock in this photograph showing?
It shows 3 h 19 min 02 s
